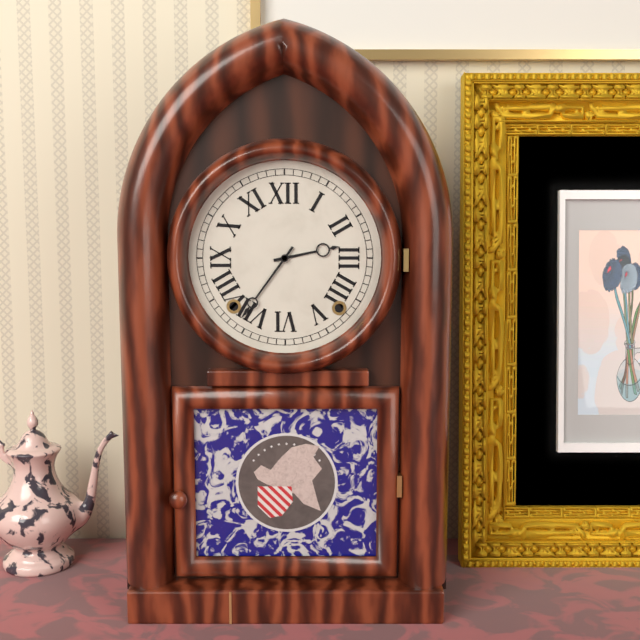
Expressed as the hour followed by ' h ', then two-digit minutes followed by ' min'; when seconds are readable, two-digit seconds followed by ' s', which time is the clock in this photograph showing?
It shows 2 h 36 min
